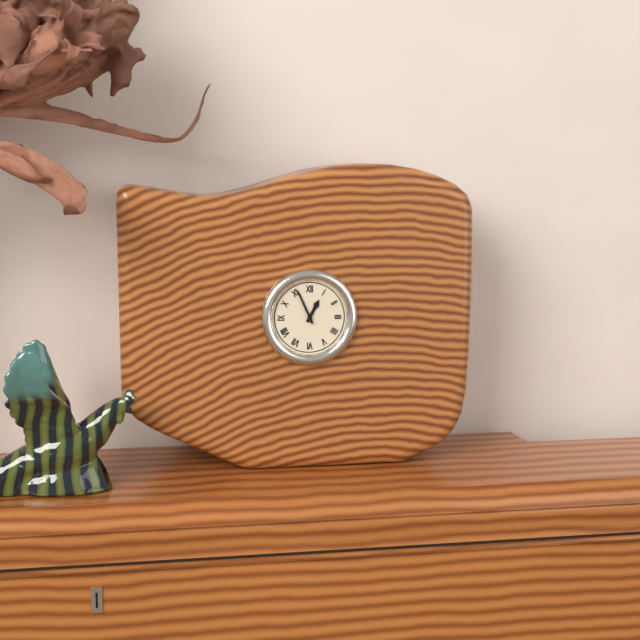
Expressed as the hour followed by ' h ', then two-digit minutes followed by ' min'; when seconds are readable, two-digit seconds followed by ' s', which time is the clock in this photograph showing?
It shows 12 h 56 min
